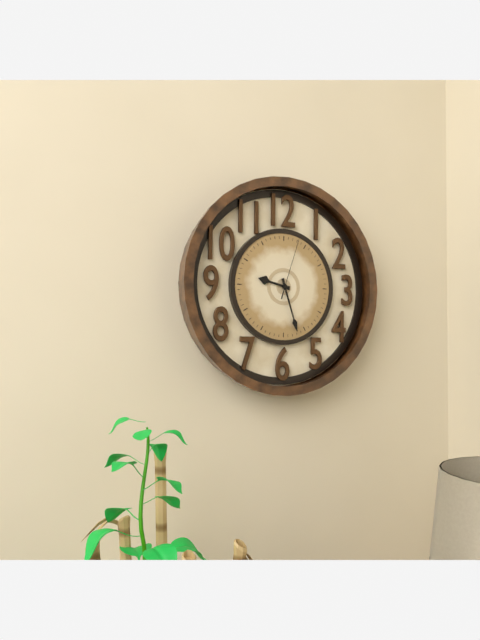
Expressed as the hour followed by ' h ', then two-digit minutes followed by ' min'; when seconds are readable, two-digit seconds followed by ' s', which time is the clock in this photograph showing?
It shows 9 h 27 min 03 s
